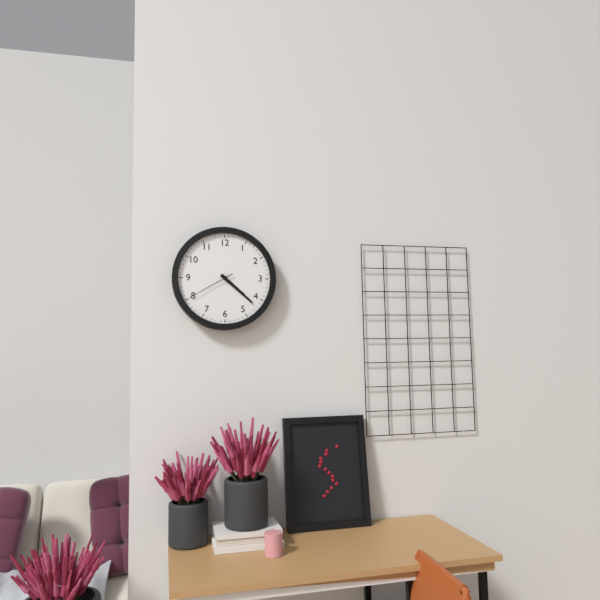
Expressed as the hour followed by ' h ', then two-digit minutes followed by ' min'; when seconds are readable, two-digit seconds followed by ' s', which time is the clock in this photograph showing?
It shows 4 h 22 min 40 s
